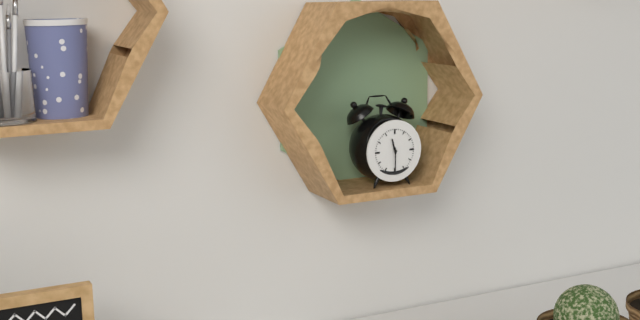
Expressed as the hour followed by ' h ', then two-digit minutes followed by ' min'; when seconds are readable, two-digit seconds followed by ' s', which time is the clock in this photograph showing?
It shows 11 h 30 min
